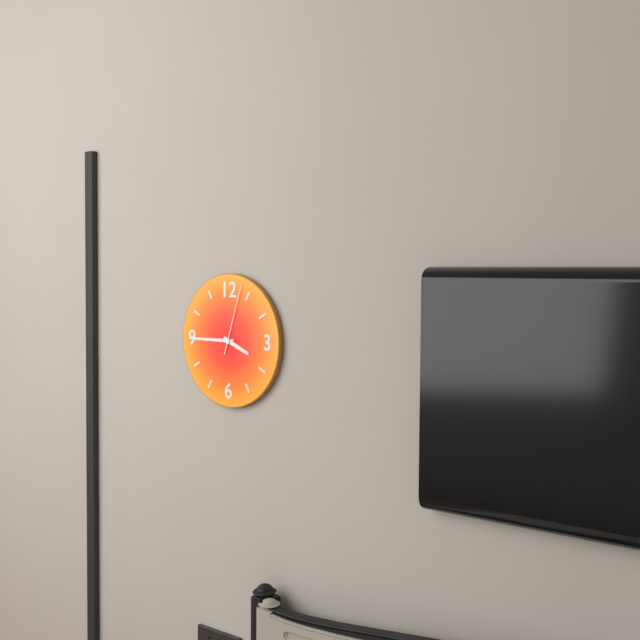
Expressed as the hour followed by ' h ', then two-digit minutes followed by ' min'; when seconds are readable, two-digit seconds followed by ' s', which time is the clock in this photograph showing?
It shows 3 h 45 min 03 s
